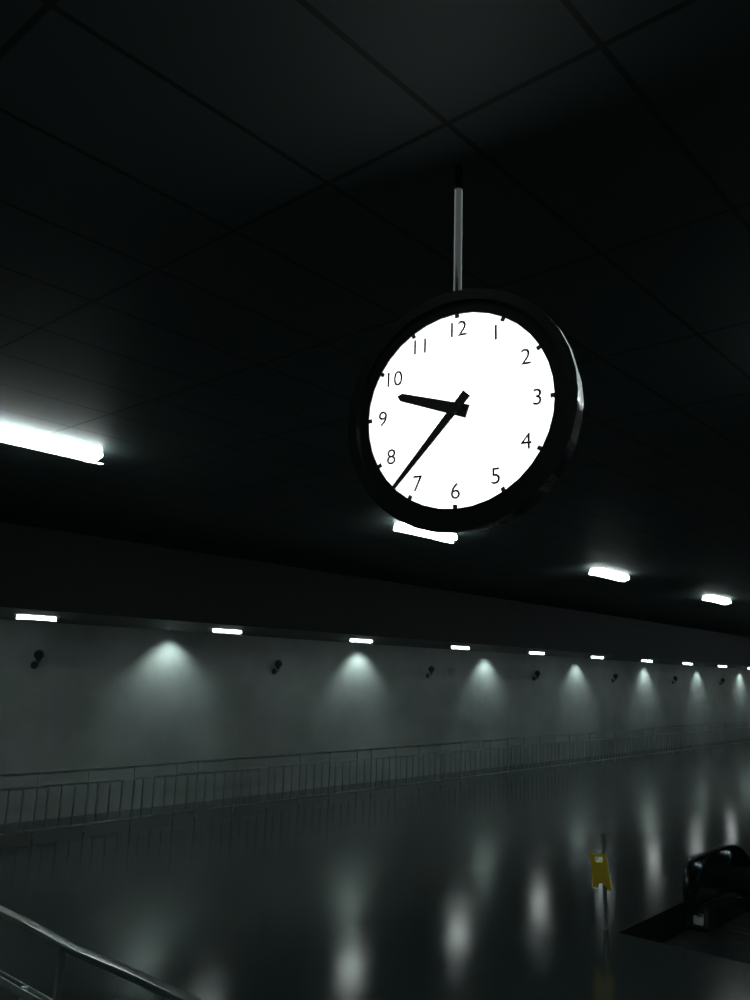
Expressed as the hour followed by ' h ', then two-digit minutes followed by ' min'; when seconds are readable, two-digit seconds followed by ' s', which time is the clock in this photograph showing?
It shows 9 h 37 min
